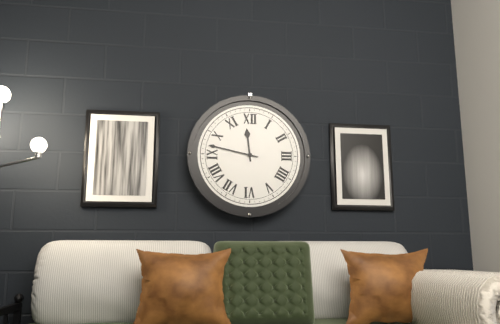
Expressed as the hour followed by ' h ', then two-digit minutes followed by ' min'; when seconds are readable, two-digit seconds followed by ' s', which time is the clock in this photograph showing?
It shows 11 h 47 min
